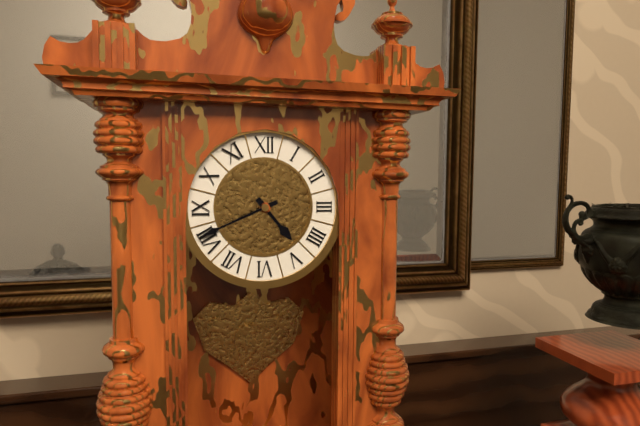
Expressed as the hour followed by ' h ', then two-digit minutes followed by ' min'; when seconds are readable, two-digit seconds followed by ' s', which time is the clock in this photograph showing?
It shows 4 h 41 min
